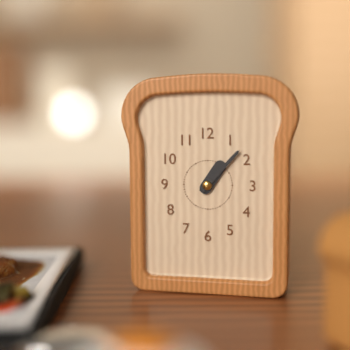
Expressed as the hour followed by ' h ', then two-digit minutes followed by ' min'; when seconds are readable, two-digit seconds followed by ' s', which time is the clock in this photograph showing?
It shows 1 h 07 min
